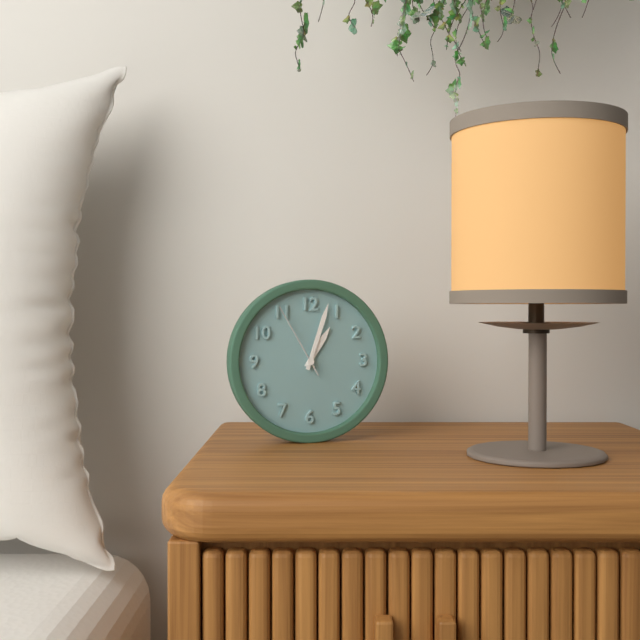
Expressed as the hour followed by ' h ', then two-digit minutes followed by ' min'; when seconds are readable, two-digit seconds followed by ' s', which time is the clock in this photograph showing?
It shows 1 h 03 min 55 s
